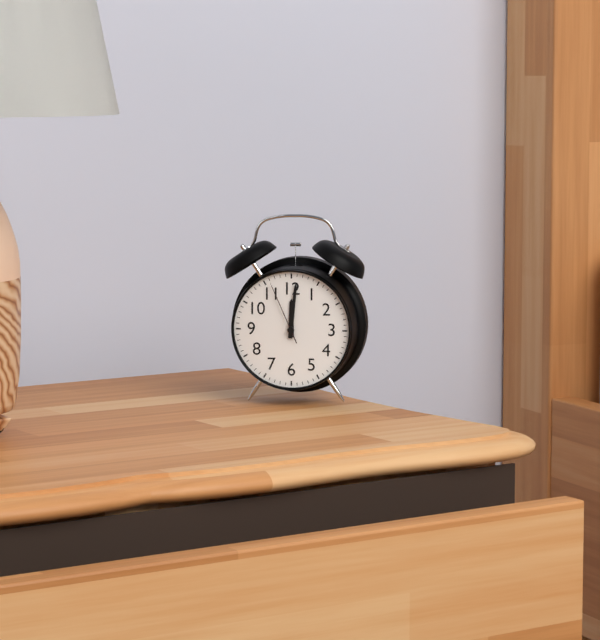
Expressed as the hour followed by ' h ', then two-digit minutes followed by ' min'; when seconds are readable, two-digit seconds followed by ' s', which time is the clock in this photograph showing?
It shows 12 h 01 min 56 s
